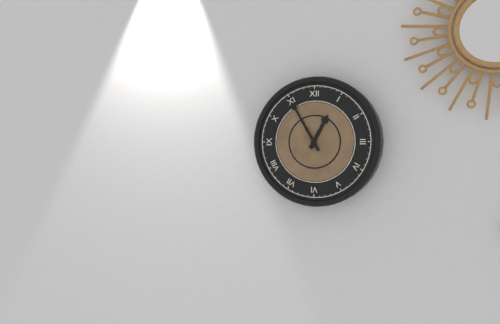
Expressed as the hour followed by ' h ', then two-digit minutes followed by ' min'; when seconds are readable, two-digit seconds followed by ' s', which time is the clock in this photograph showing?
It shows 12 h 55 min
